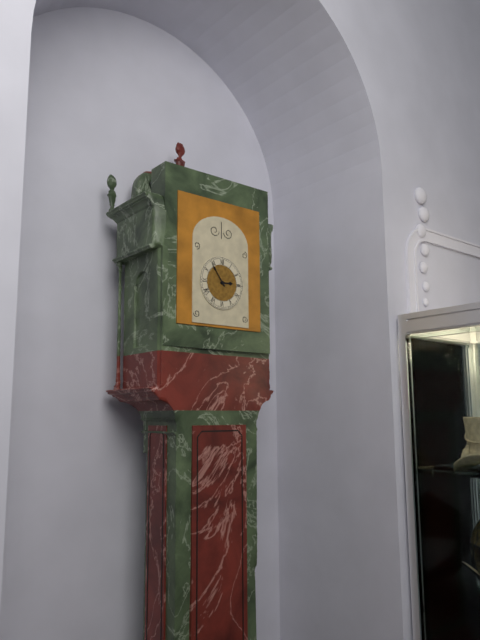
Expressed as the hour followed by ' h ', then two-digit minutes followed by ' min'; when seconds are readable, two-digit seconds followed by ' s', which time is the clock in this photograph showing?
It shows 2 h 54 min
